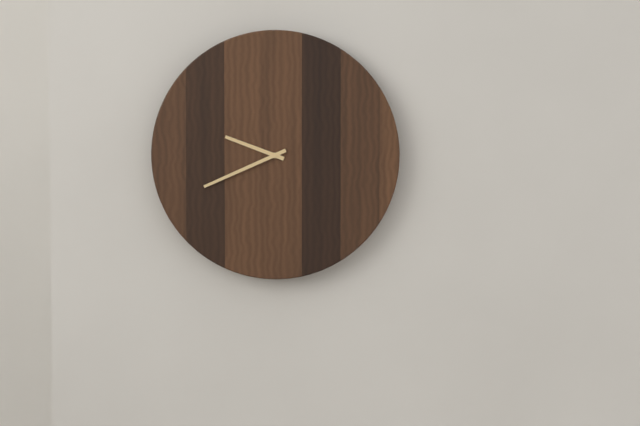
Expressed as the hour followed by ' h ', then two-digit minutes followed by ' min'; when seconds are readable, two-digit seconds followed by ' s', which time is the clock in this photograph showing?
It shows 9 h 41 min
